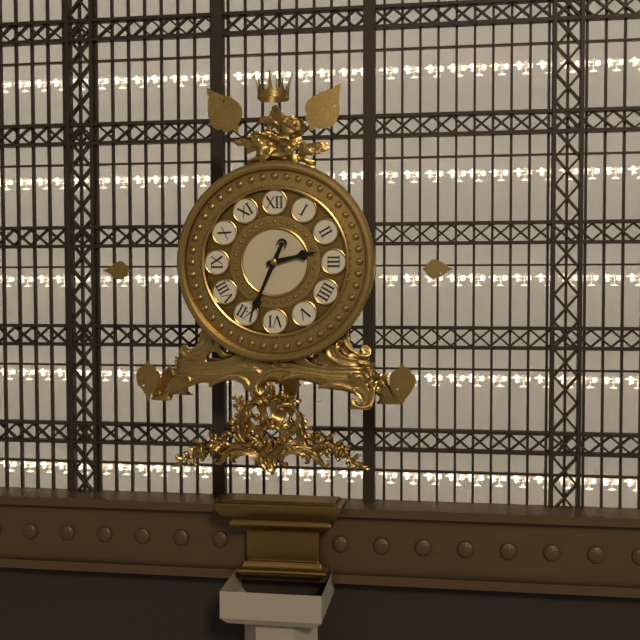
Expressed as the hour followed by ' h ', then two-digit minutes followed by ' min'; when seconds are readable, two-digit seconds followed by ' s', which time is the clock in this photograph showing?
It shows 2 h 34 min
